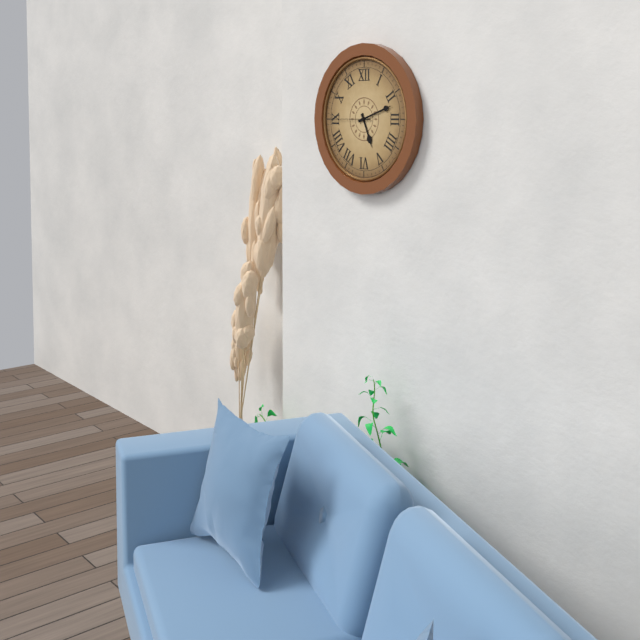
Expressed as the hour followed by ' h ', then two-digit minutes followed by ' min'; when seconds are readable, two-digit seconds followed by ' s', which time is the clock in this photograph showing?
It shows 5 h 12 min
